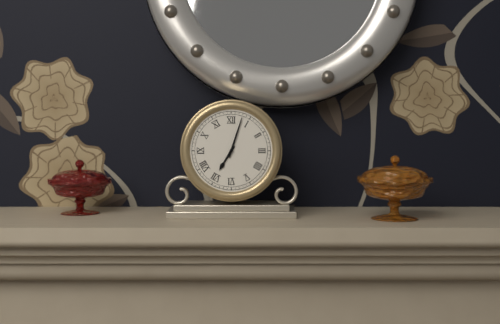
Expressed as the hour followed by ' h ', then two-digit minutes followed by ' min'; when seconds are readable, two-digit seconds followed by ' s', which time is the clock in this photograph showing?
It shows 7 h 03 min
